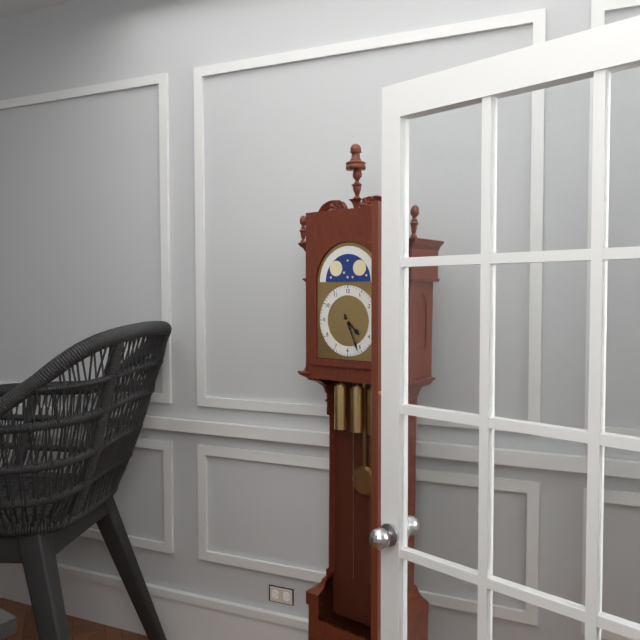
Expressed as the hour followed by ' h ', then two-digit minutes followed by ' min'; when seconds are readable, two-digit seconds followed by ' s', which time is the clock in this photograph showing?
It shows 4 h 26 min
